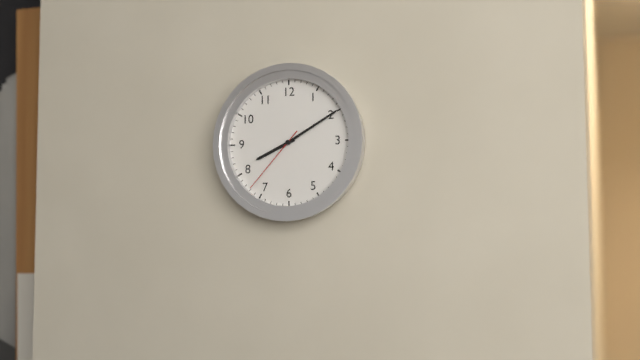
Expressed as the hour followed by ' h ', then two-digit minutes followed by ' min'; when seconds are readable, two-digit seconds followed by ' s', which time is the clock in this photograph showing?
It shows 8 h 10 min 37 s
